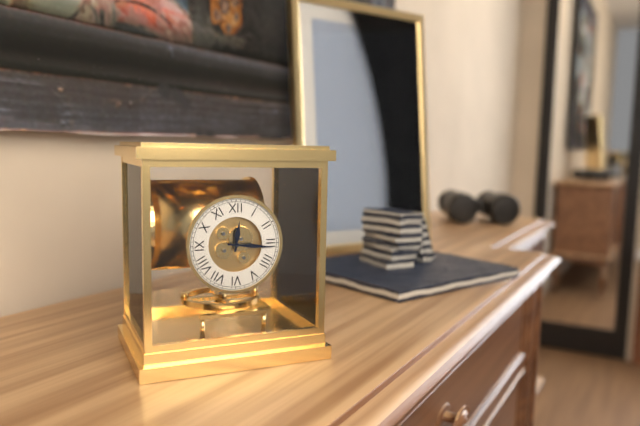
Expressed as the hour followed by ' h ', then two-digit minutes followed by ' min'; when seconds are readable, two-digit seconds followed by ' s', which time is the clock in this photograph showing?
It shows 12 h 16 min
